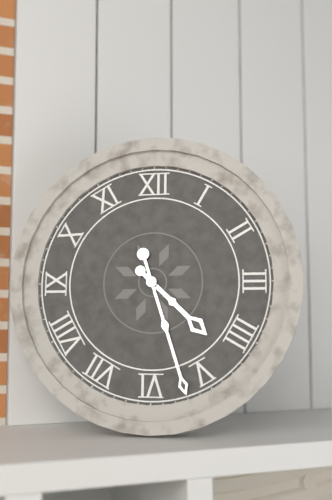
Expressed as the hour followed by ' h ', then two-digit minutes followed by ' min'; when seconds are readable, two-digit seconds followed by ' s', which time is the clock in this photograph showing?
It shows 4 h 27 min
